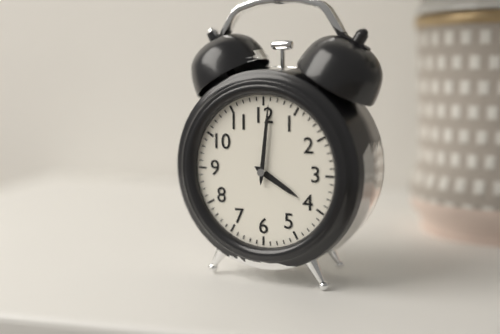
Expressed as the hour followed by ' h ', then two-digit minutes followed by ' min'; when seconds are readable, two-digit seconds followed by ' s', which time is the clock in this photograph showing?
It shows 4 h 01 min
